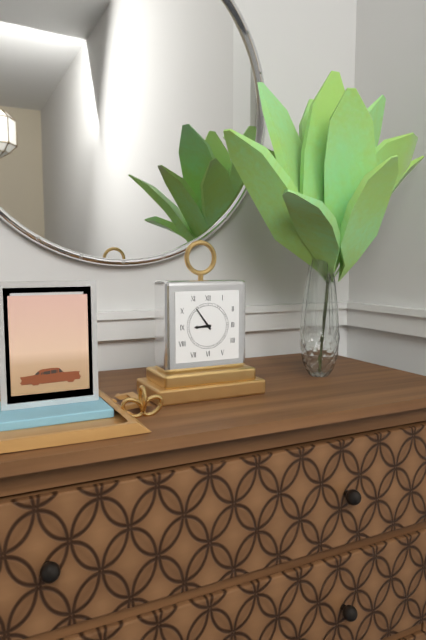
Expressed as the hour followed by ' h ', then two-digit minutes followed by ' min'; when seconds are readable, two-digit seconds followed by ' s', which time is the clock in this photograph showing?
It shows 8 h 54 min
